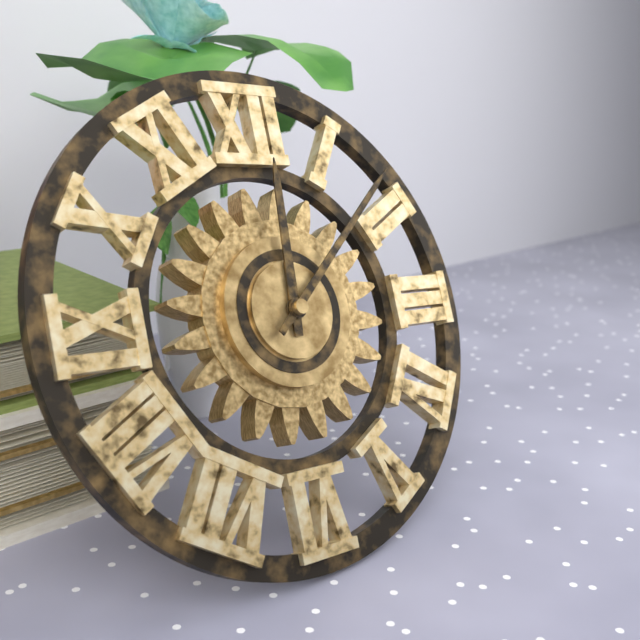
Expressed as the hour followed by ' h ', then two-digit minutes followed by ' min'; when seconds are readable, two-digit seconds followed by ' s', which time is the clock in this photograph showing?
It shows 12 h 08 min
